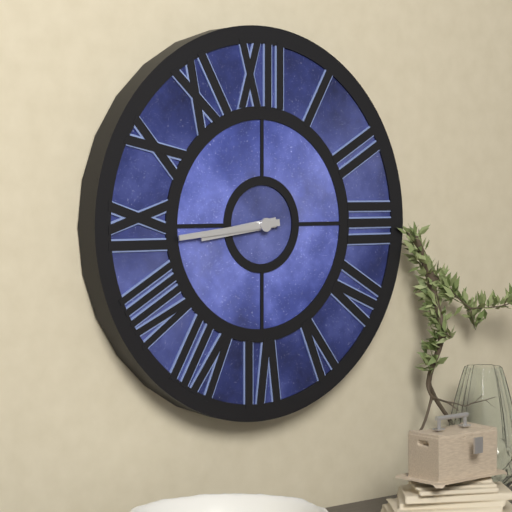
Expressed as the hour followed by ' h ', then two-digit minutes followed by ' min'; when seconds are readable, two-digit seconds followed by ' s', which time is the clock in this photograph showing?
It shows 8 h 44 min
